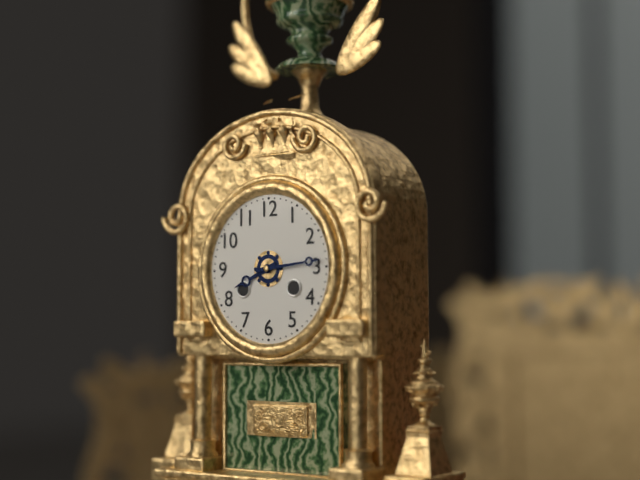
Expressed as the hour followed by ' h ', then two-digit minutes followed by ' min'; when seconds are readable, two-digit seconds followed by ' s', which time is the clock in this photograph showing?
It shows 8 h 14 min
